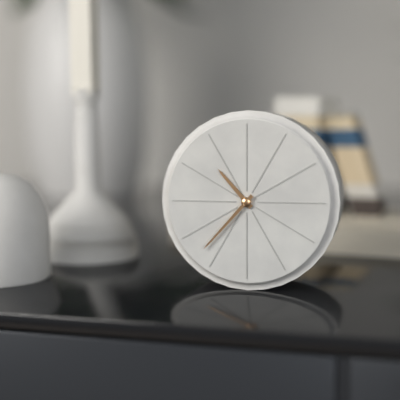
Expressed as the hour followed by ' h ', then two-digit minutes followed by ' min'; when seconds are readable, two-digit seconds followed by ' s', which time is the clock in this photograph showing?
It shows 10 h 37 min
